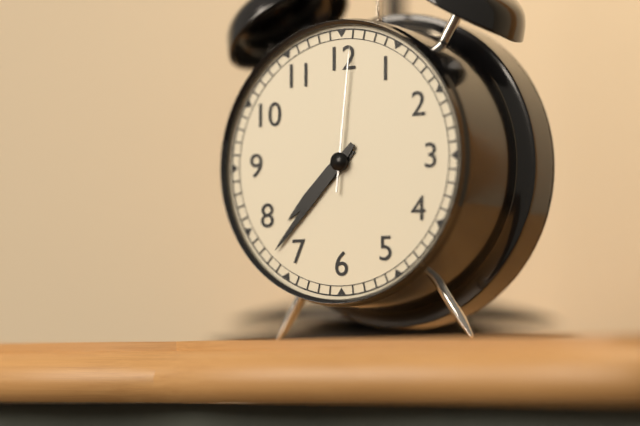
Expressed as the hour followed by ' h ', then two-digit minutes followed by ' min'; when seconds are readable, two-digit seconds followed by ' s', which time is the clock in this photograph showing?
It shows 7 h 37 min 01 s
